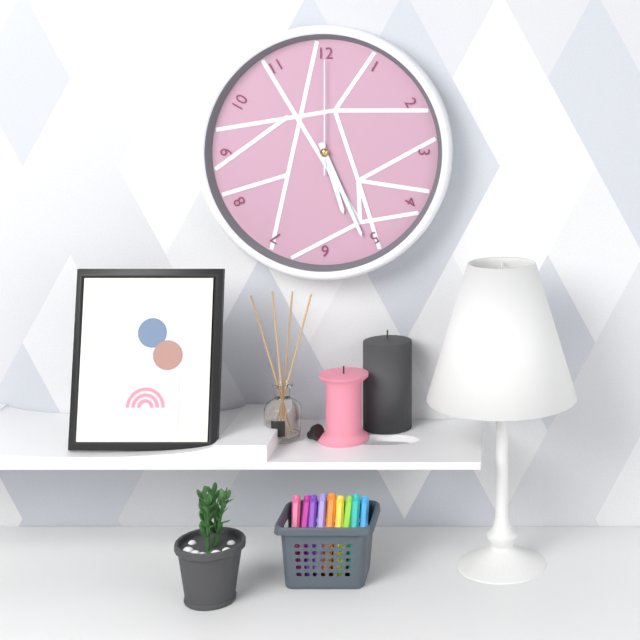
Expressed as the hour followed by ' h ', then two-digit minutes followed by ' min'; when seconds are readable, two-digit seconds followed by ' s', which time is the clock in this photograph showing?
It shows 5 h 26 min 00 s
